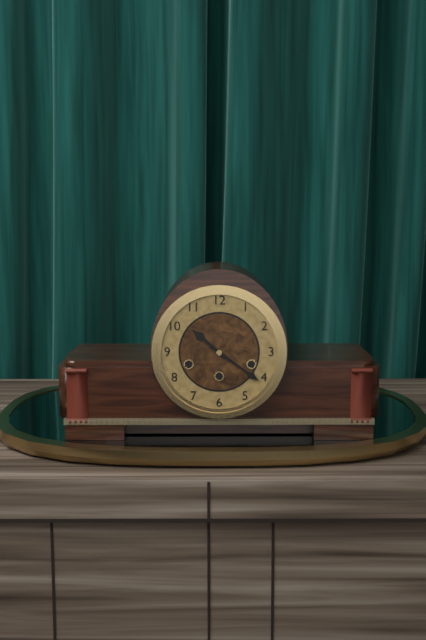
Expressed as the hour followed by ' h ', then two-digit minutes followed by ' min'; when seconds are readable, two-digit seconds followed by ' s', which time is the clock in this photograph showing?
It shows 10 h 21 min
